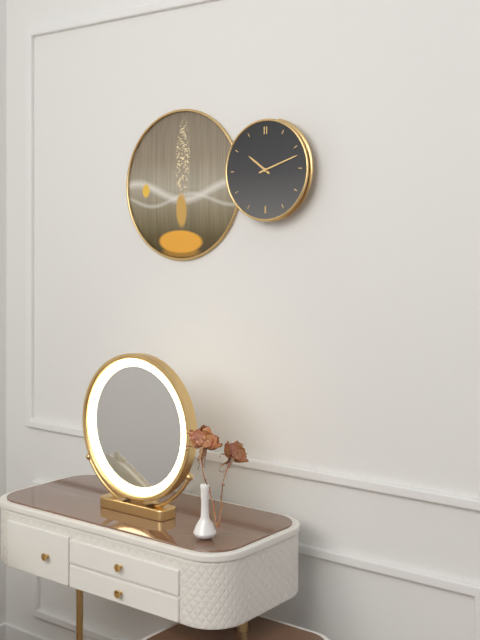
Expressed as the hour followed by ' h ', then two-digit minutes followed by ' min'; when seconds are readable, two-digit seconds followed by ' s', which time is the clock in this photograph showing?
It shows 10 h 12 min
